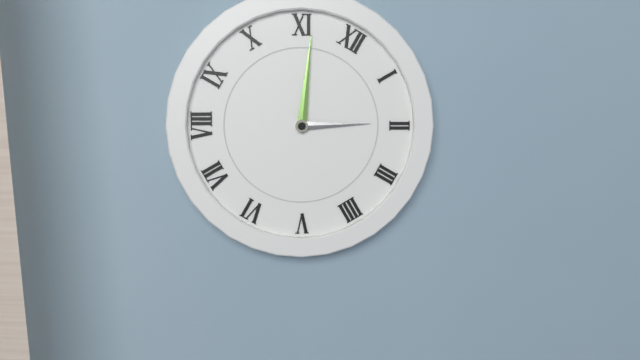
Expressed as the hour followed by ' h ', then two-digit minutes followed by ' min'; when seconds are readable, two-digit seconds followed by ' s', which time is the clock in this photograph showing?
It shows 1 h 56 min
